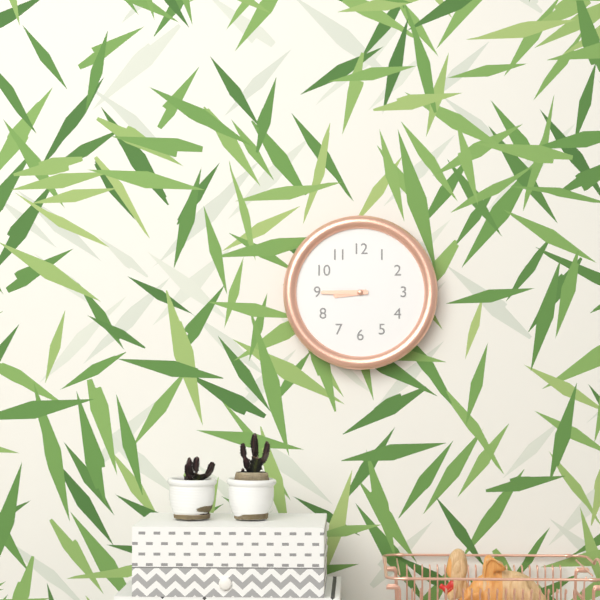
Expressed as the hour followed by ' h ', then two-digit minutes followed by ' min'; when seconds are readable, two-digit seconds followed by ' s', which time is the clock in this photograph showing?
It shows 8 h 45 min
